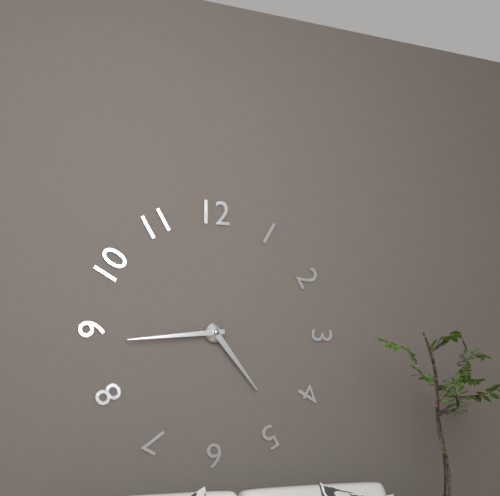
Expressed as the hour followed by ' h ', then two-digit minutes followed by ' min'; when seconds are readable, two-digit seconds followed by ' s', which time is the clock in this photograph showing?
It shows 4 h 44 min
